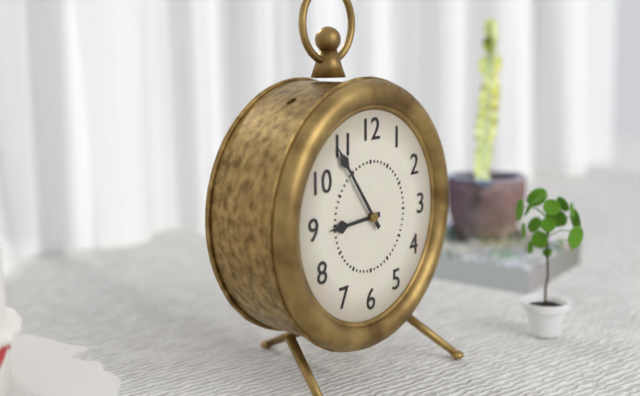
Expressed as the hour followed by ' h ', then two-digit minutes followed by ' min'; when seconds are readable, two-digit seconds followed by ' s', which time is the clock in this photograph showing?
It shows 8 h 54 min
